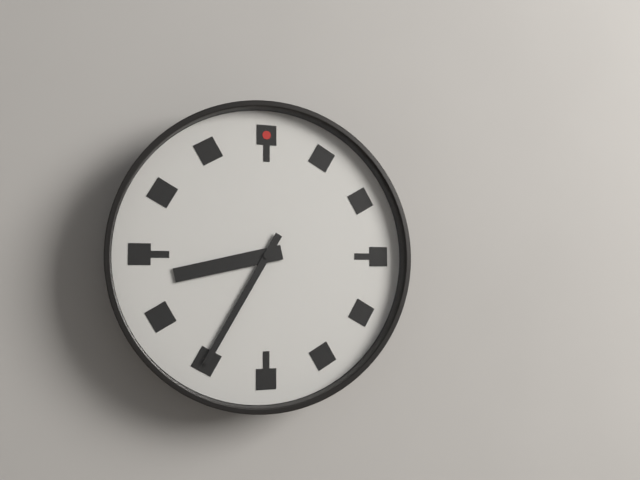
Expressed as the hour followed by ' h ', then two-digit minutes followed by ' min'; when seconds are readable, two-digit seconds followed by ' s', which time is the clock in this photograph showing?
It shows 8 h 35 min
